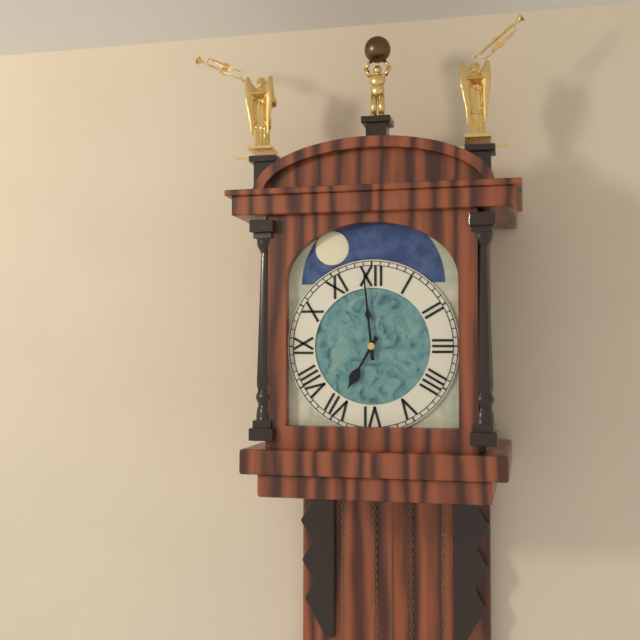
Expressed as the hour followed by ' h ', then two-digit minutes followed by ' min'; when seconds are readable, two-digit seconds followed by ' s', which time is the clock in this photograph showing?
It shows 6 h 59 min
